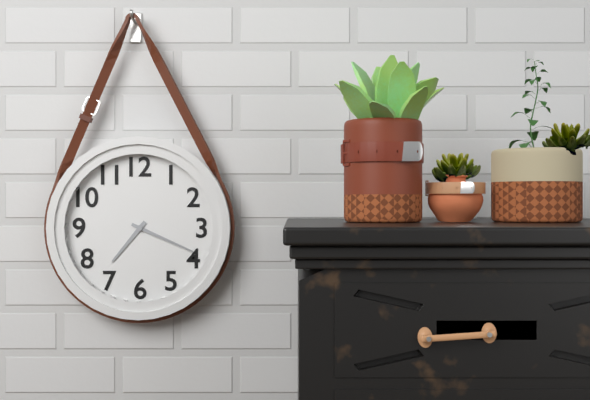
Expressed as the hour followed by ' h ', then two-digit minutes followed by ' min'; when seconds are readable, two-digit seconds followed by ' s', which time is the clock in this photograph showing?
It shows 7 h 19 min
